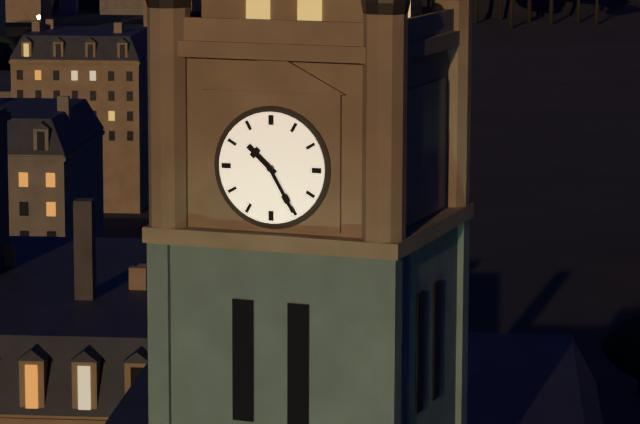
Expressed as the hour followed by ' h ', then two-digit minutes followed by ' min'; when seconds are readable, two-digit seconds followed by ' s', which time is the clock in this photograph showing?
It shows 10 h 25 min
